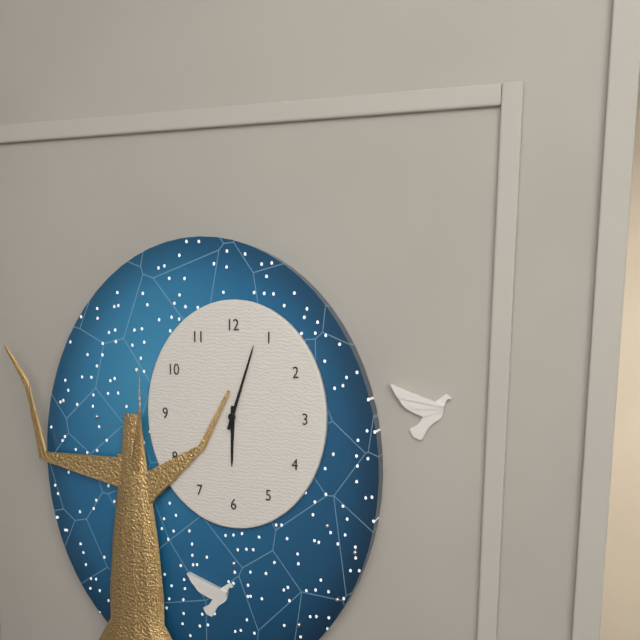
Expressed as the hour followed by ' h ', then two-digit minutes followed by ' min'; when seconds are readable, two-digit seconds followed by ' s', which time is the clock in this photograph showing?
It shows 6 h 03 min
